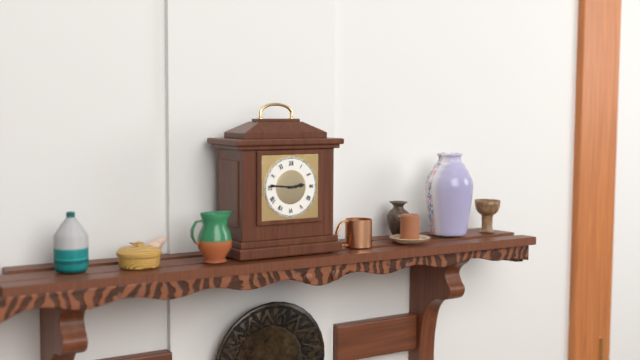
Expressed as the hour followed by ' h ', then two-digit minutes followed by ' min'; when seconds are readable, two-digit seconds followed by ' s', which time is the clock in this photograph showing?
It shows 2 h 46 min
